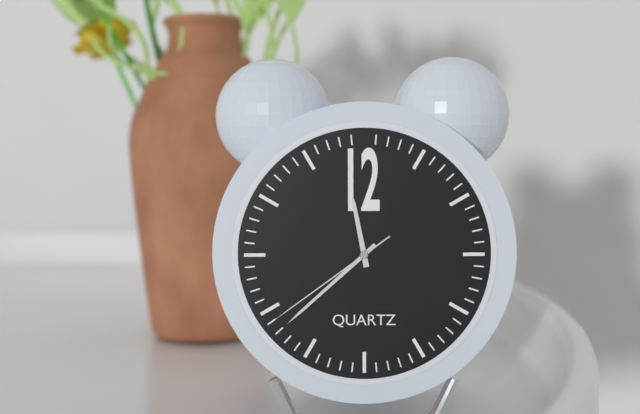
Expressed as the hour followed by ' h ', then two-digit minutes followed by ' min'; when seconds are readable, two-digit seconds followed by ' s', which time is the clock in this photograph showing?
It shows 11 h 38 min 39 s
